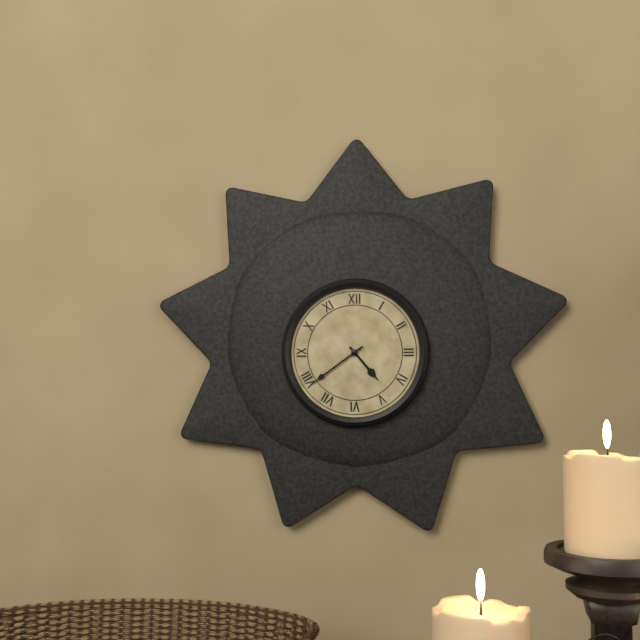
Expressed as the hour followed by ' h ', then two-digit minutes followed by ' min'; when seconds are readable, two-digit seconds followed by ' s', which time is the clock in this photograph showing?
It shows 4 h 39 min
